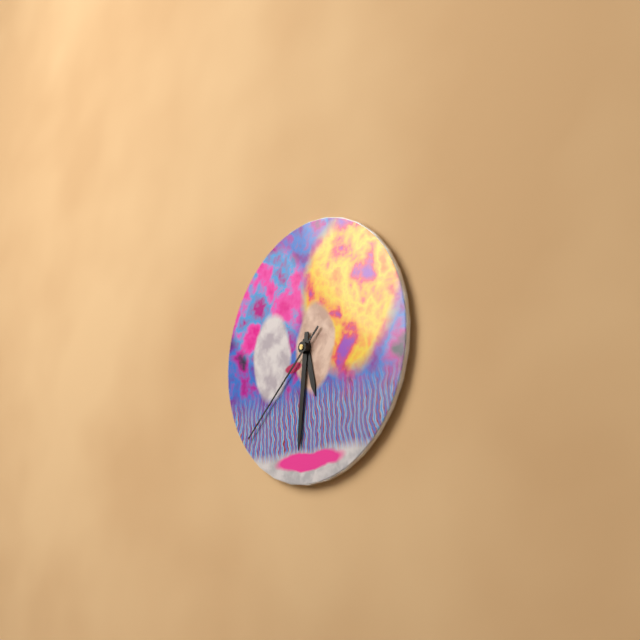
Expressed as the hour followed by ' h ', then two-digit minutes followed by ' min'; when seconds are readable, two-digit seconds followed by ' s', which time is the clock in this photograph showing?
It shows 5 h 31 min 38 s
